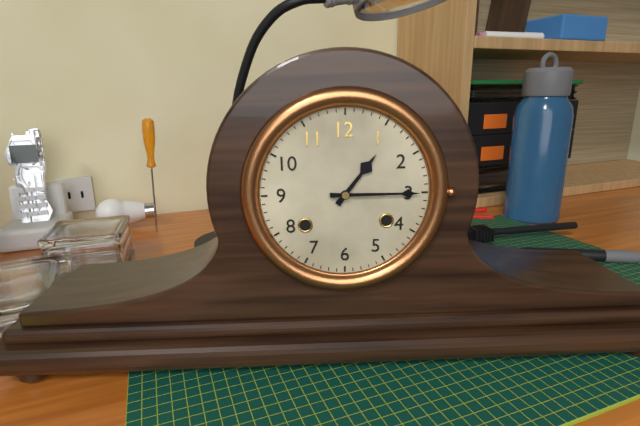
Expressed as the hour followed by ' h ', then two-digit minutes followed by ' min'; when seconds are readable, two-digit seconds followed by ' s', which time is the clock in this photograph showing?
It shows 1 h 15 min
